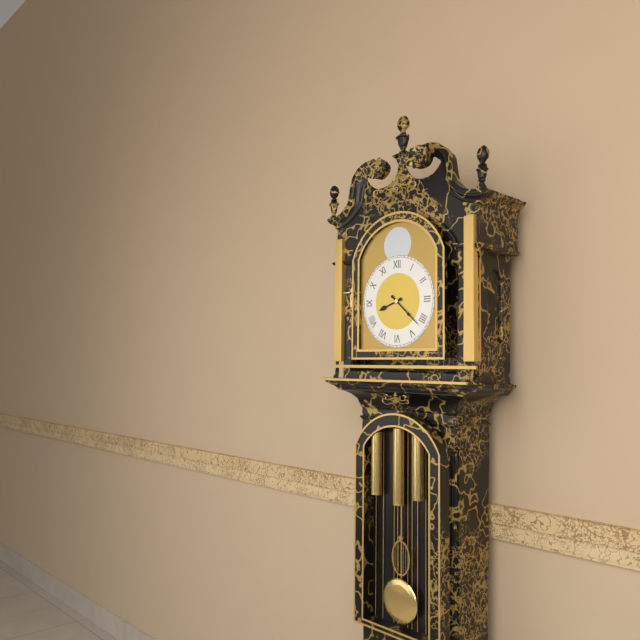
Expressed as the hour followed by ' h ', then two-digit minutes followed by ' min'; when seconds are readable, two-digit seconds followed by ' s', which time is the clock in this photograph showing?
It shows 8 h 22 min
